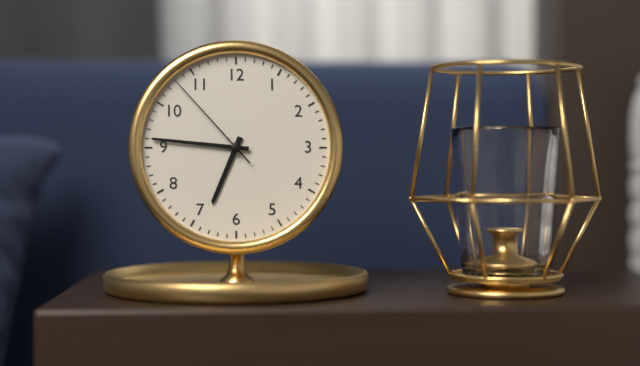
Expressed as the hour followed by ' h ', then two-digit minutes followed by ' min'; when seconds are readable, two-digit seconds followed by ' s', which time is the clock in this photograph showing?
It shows 6 h 46 min 53 s
